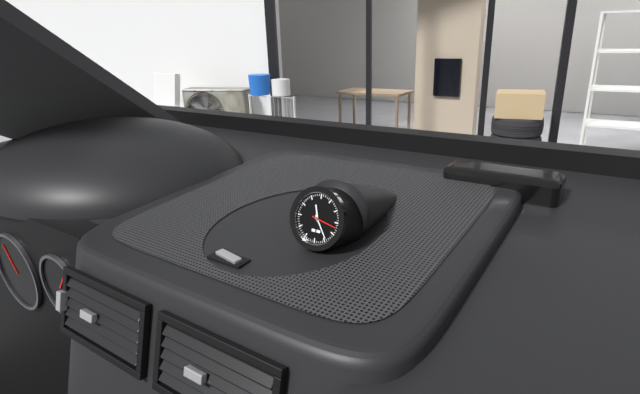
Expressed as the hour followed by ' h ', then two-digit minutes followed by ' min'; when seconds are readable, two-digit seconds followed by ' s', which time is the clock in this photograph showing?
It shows 11 h 24 min
